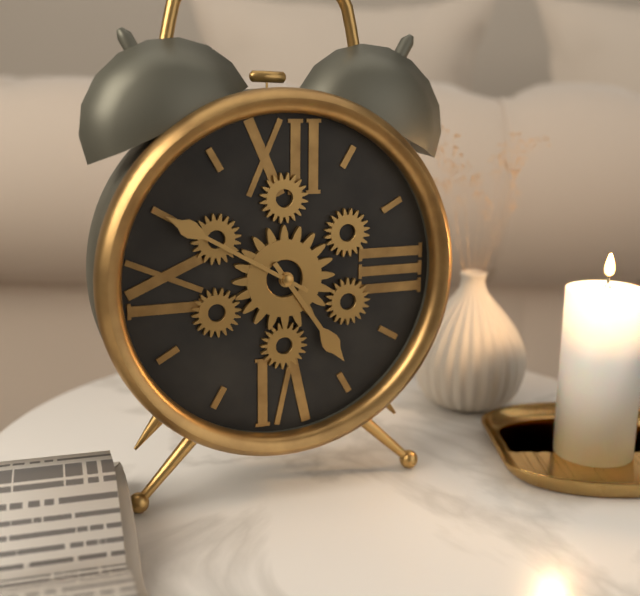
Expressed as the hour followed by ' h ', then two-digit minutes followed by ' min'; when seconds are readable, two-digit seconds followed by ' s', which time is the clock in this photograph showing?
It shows 4 h 50 min
